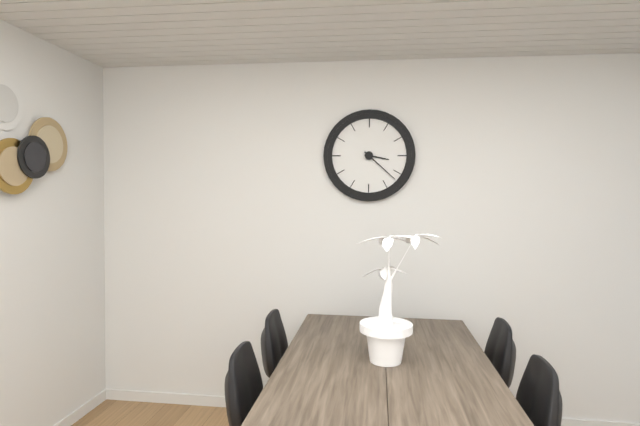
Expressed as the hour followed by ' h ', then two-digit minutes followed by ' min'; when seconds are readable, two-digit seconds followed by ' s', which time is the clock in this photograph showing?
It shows 3 h 22 min
